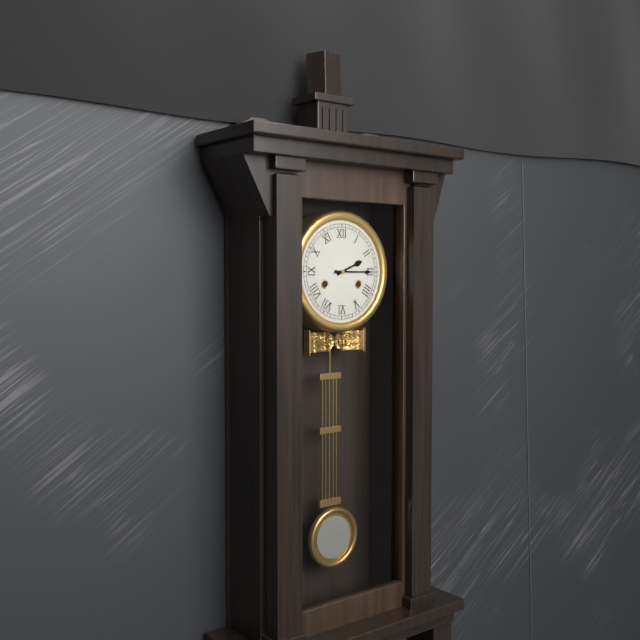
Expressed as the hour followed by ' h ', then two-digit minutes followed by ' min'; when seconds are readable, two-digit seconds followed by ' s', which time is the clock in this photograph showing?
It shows 2 h 15 min
